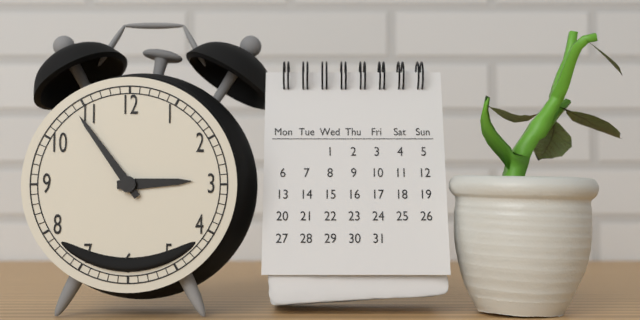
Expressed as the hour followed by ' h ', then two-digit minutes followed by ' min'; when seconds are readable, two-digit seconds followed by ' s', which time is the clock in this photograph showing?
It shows 2 h 54 min
